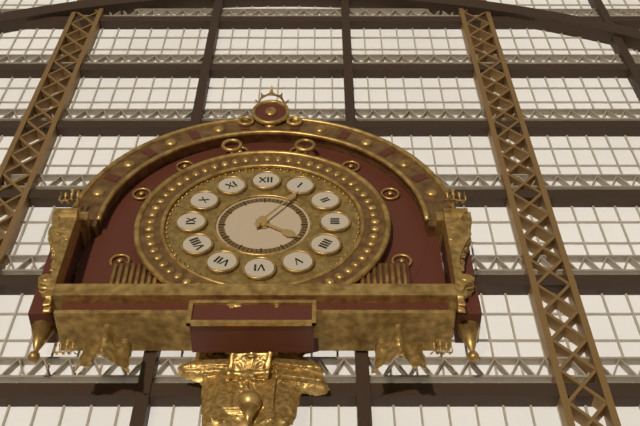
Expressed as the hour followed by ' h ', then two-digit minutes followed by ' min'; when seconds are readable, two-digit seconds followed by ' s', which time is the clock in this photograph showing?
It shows 4 h 06 min
